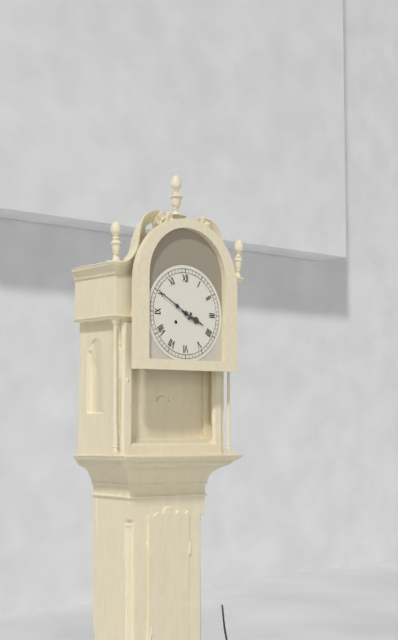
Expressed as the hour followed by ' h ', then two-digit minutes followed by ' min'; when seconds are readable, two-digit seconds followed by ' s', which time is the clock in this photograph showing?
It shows 3 h 50 min
